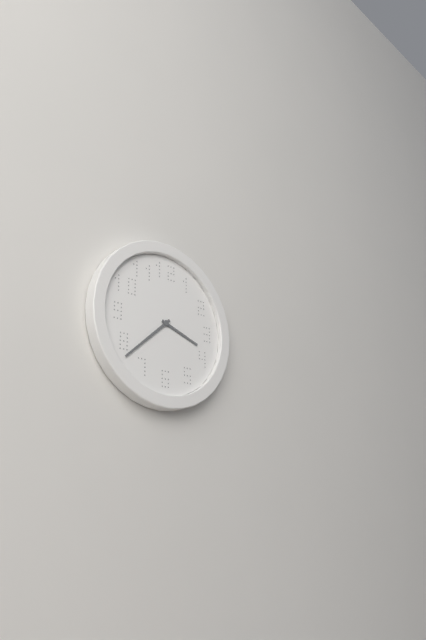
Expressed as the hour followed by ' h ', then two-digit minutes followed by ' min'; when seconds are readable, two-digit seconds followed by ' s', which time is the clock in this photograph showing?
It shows 3 h 38 min
